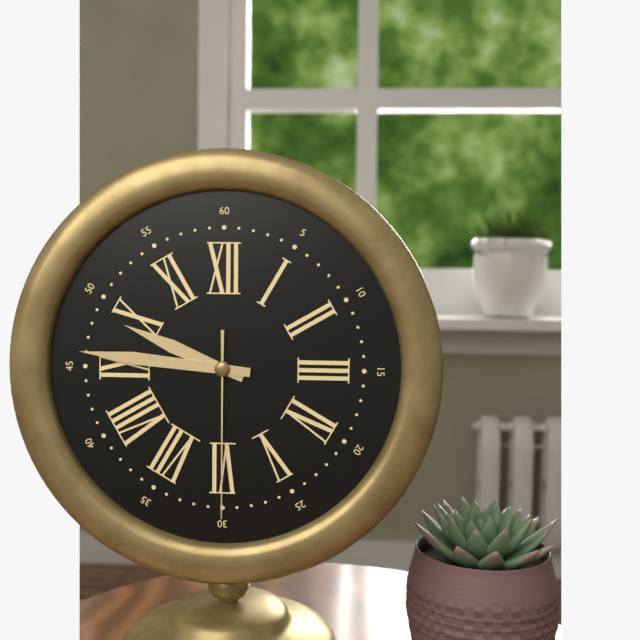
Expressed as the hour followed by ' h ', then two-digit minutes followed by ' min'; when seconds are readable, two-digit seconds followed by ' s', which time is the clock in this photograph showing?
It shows 9 h 46 min 30 s
